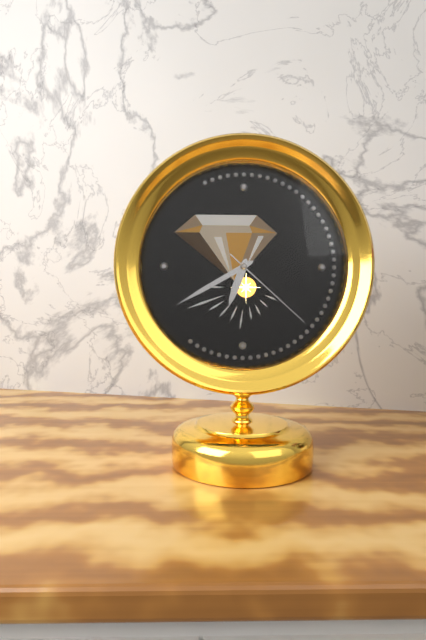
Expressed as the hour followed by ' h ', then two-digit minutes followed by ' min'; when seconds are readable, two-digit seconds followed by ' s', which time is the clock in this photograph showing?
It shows 6 h 40 min 22 s
